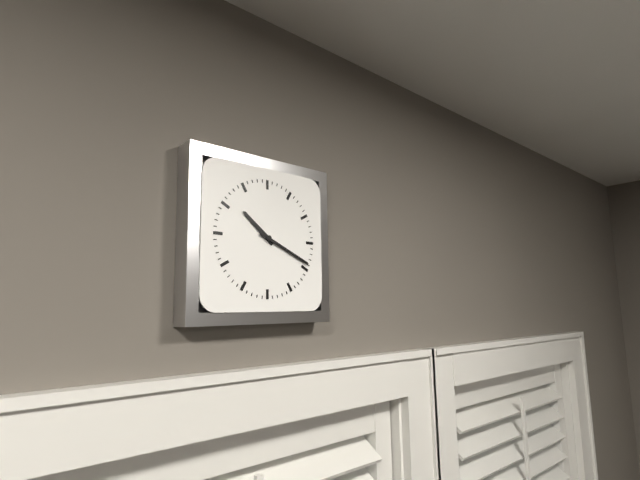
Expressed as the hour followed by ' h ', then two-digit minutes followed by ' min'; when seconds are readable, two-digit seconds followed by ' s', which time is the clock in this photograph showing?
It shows 10 h 19 min
